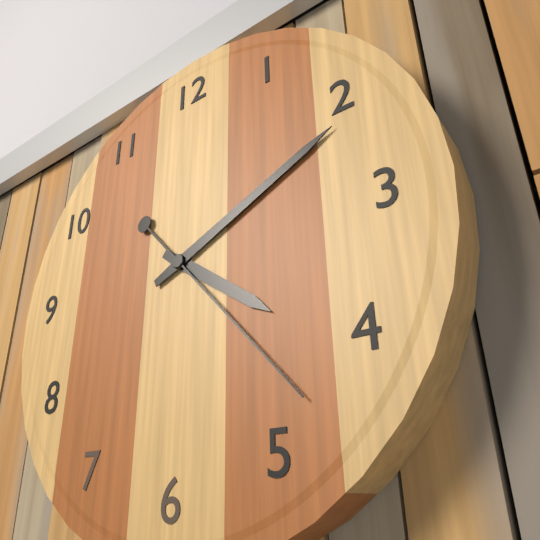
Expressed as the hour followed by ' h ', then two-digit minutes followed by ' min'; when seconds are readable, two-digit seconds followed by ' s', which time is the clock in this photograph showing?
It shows 4 h 11 min 23 s
